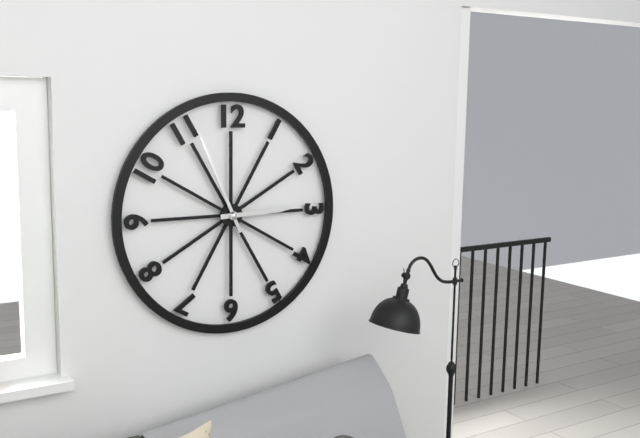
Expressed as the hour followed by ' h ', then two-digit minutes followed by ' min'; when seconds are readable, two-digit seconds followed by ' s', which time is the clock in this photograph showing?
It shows 2 h 56 min
